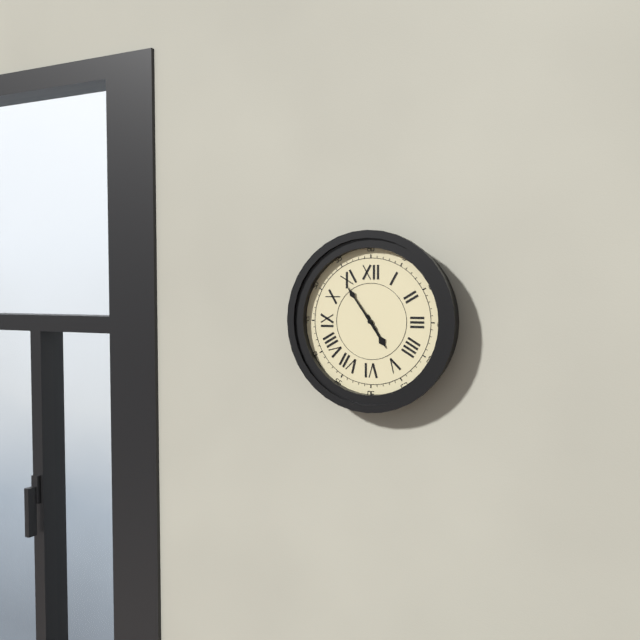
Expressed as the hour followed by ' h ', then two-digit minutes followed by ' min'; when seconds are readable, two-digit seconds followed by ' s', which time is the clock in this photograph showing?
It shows 4 h 54 min
